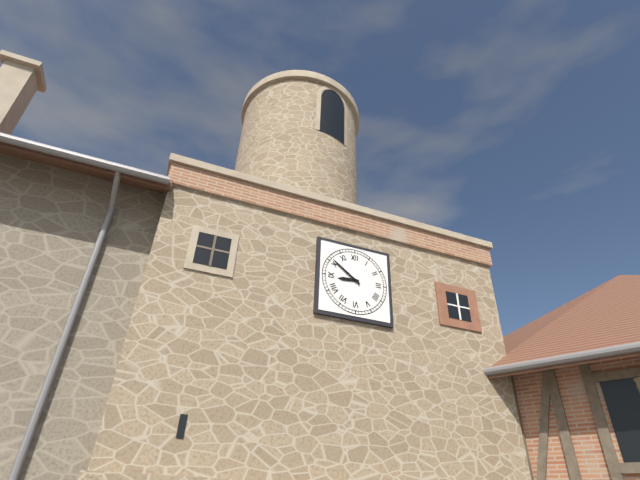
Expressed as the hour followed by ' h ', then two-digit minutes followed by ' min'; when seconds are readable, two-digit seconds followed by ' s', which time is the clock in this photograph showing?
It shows 8 h 51 min
